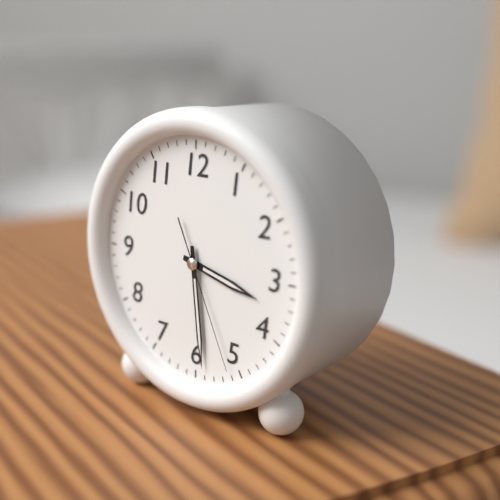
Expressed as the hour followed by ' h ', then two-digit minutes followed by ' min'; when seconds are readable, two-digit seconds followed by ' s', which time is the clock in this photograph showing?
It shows 3 h 29 min 26 s
